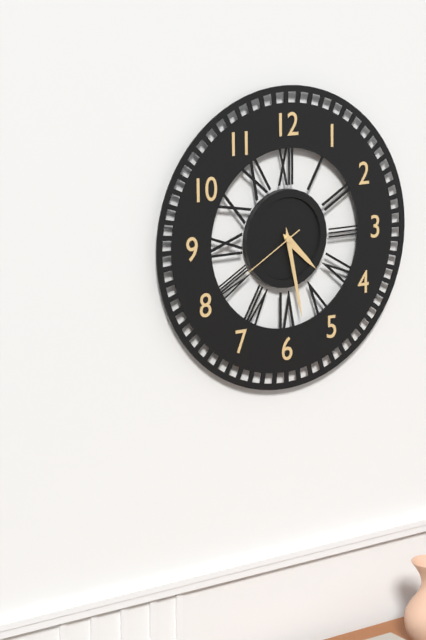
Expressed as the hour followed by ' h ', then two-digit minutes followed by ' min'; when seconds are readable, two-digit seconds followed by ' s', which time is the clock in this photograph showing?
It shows 4 h 28 min 40 s
